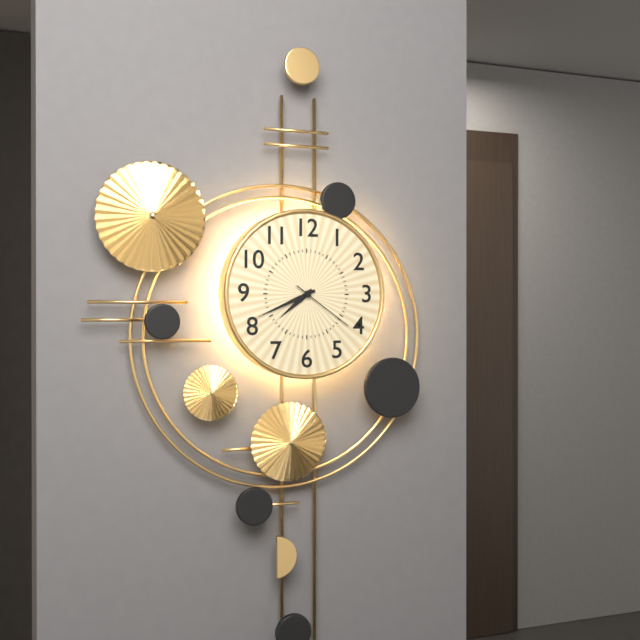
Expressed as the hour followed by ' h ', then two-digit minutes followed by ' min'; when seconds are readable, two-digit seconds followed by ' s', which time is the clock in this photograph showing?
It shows 7 h 41 min 21 s
